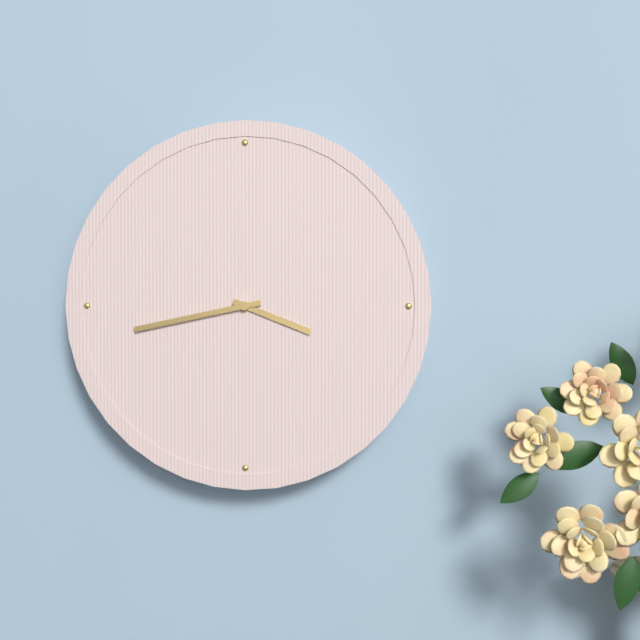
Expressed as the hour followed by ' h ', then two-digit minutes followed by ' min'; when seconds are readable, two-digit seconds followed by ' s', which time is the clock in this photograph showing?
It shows 3 h 43 min
